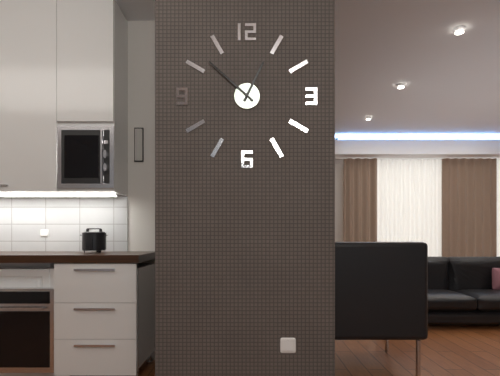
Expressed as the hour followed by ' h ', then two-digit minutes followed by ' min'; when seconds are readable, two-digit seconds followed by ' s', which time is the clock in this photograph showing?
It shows 12 h 52 min
